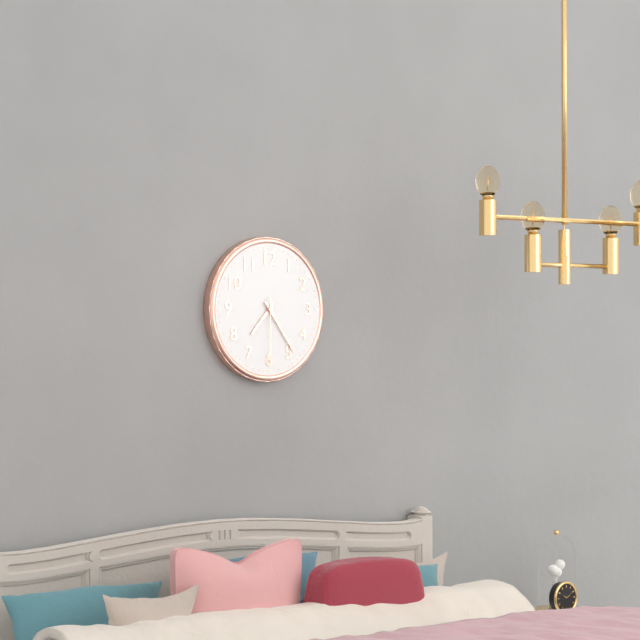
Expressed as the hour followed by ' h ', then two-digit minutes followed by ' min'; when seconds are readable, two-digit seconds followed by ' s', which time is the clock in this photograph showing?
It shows 7 h 24 min 30 s
